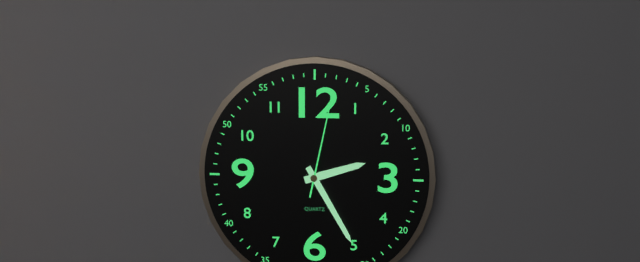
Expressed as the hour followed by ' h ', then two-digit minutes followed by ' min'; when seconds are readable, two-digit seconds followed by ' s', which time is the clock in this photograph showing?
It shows 2 h 25 min 02 s
